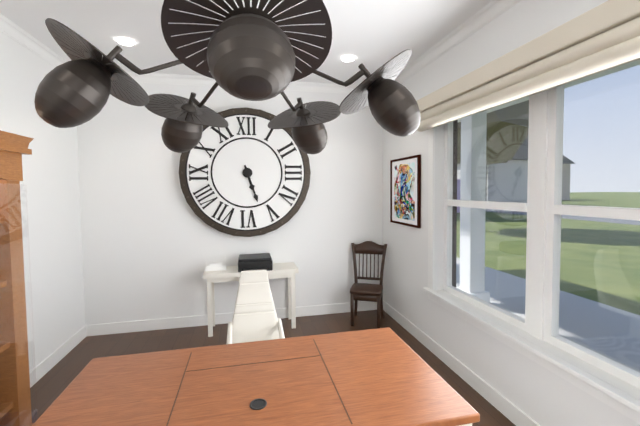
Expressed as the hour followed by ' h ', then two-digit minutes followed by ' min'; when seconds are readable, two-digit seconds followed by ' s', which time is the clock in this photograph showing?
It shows 5 h 27 min
